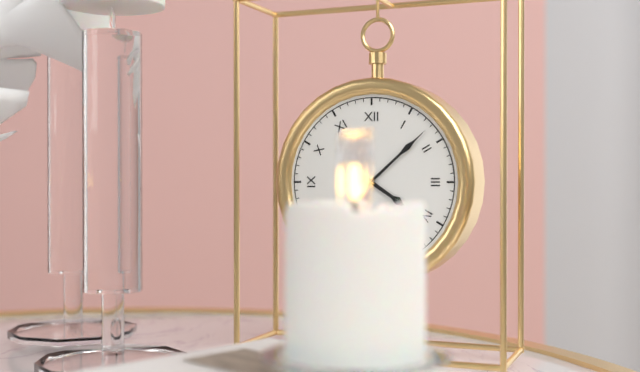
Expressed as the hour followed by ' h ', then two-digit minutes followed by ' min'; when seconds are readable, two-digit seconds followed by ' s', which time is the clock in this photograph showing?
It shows 4 h 08 min
